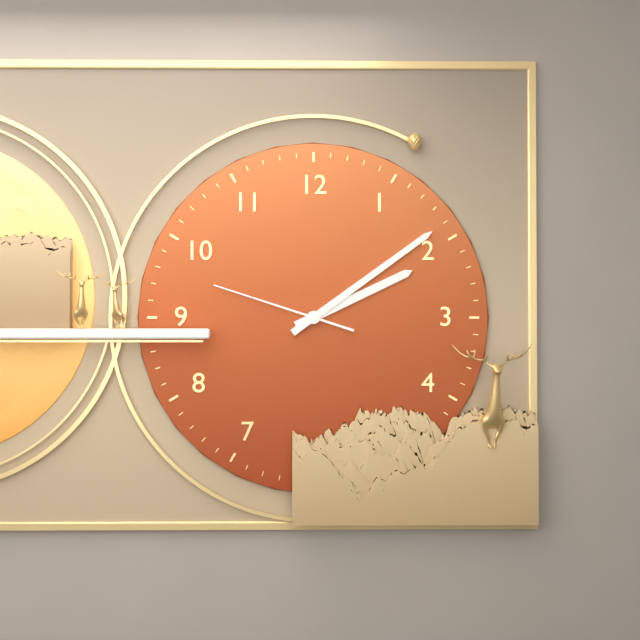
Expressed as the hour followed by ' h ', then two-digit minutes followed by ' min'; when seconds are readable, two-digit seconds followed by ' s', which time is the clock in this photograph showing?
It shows 2 h 09 min 48 s
